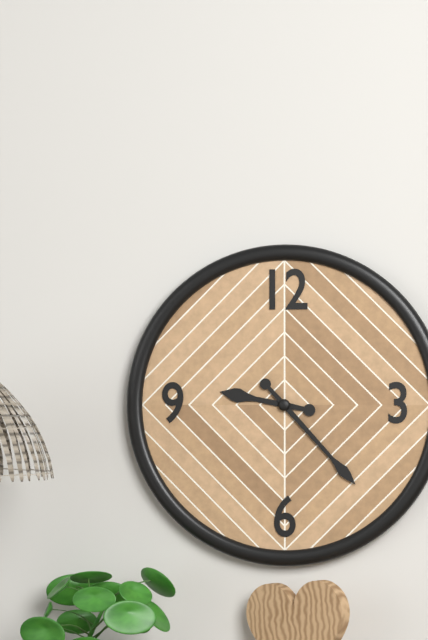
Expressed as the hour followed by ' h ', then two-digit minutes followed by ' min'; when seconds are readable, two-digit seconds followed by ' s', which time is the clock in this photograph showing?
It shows 9 h 23 min
